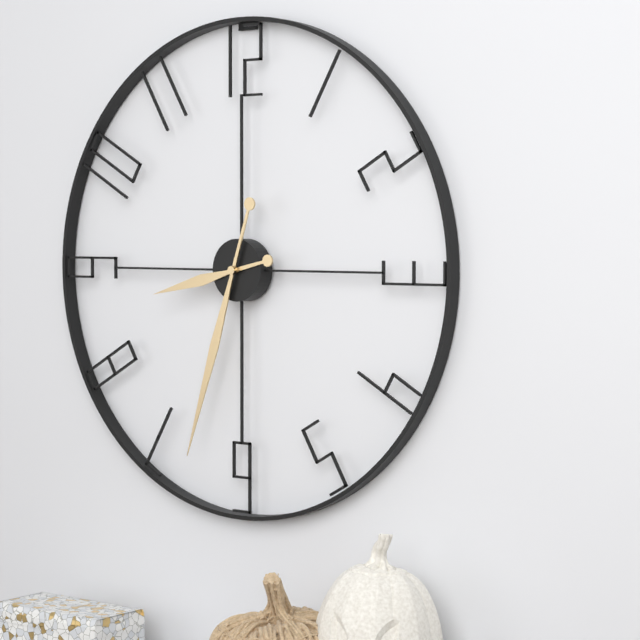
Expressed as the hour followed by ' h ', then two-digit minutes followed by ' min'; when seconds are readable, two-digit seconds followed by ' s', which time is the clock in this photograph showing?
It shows 8 h 33 min
